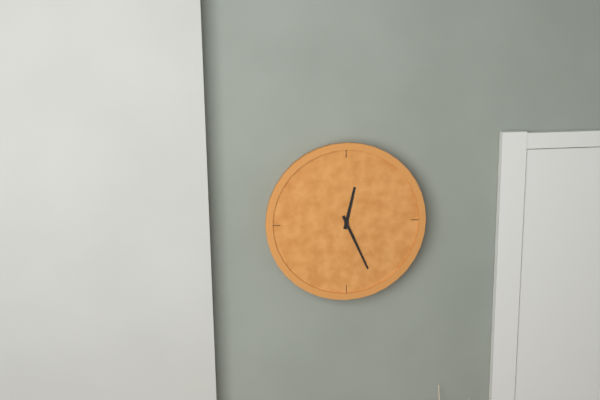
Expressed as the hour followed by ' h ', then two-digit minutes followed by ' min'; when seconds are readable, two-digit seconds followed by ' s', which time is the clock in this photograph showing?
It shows 12 h 26 min
